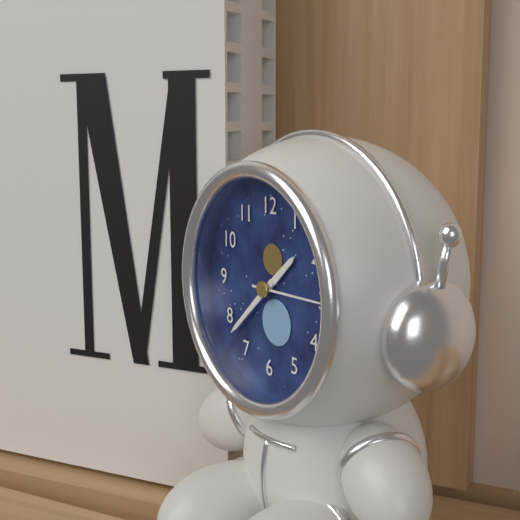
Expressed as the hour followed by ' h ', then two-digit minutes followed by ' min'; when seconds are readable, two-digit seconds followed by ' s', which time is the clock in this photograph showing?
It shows 1 h 38 min 15 s
